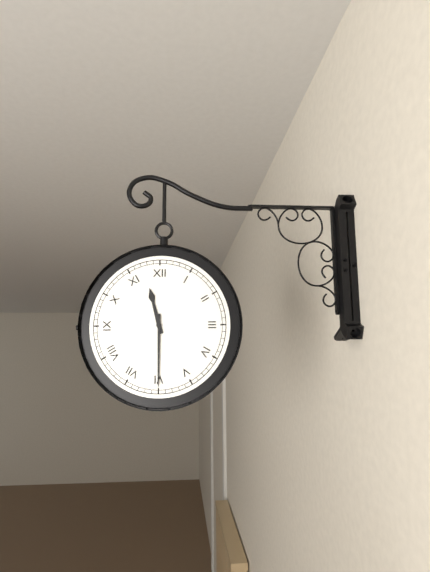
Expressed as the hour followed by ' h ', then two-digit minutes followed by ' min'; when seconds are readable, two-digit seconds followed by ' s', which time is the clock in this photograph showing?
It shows 11 h 30 min
